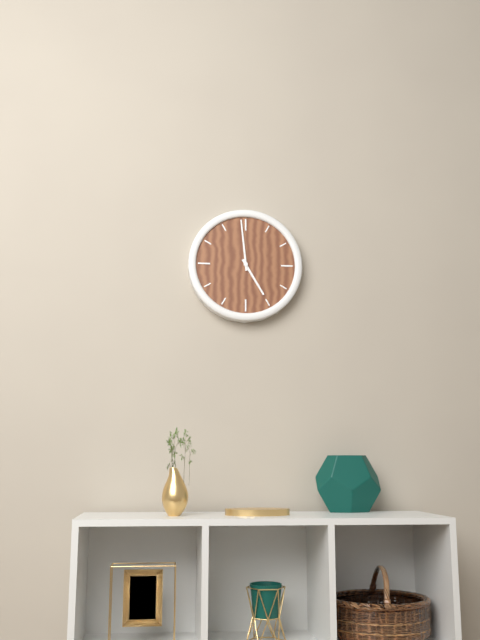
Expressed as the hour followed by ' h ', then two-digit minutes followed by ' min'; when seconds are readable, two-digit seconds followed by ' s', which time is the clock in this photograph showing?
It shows 4 h 59 min
